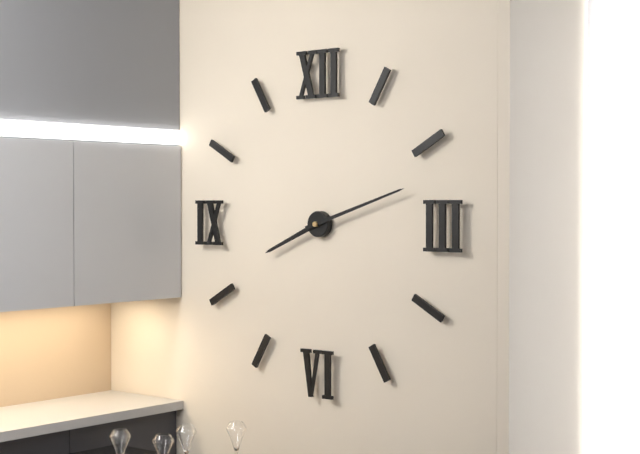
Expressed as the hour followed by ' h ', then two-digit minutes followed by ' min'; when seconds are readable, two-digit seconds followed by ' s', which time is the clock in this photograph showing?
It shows 8 h 12 min
